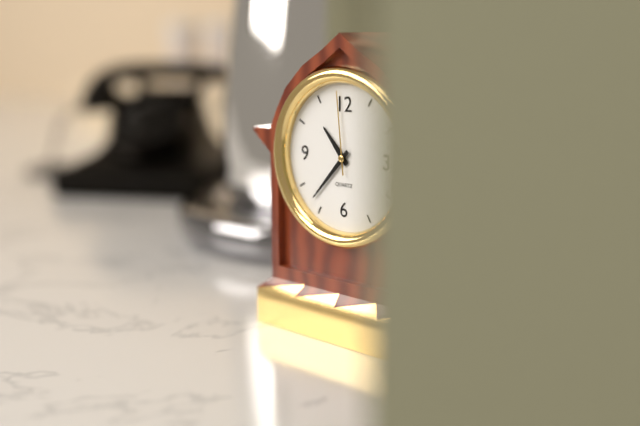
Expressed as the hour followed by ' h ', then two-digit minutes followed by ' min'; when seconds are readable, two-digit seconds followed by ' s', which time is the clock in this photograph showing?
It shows 10 h 37 min 59 s
